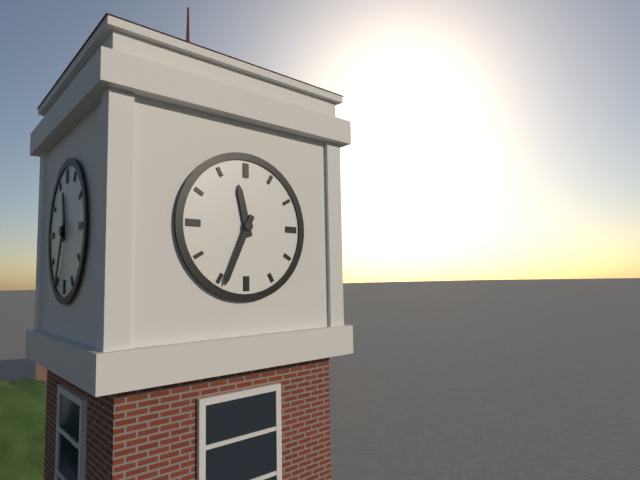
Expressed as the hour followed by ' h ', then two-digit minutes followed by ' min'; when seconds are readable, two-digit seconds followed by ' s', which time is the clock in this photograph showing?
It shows 11 h 34 min
